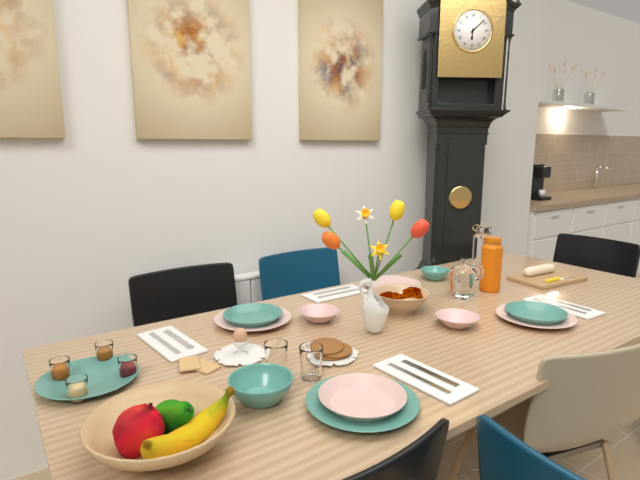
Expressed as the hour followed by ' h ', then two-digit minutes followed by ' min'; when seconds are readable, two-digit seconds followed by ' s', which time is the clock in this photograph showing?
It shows 6 h 08 min
